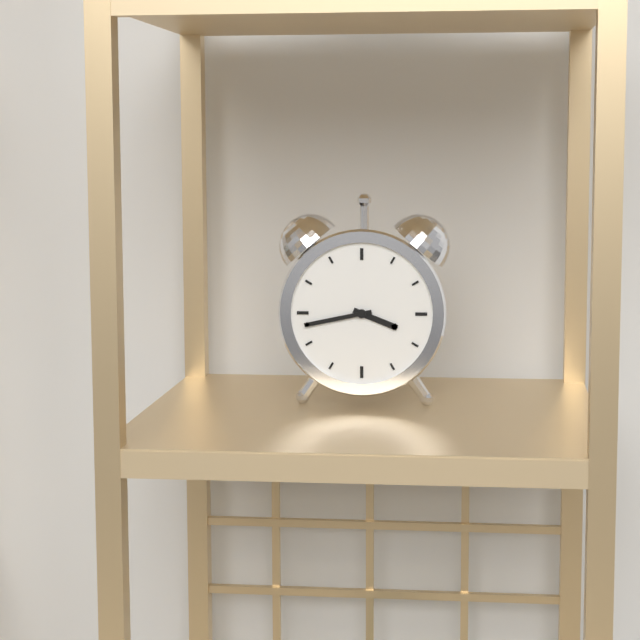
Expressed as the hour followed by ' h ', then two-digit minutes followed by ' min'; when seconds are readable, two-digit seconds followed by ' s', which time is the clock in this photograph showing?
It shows 3 h 43 min
